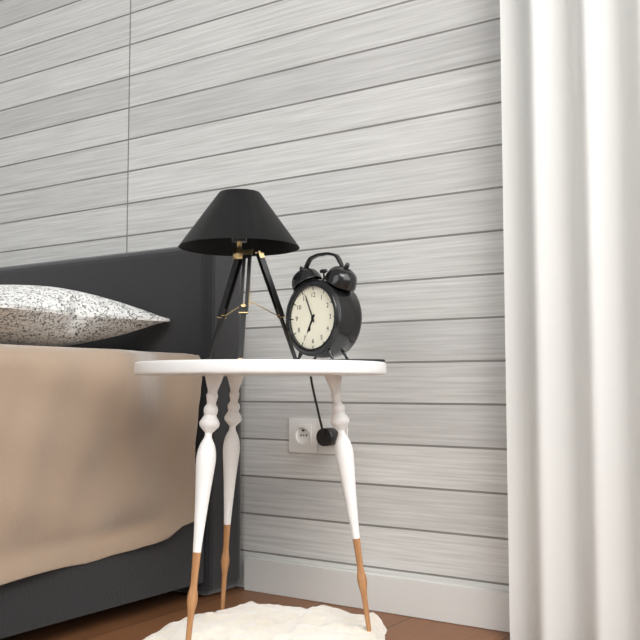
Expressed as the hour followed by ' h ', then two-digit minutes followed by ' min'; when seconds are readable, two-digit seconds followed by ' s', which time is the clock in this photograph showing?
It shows 6 h 56 min
